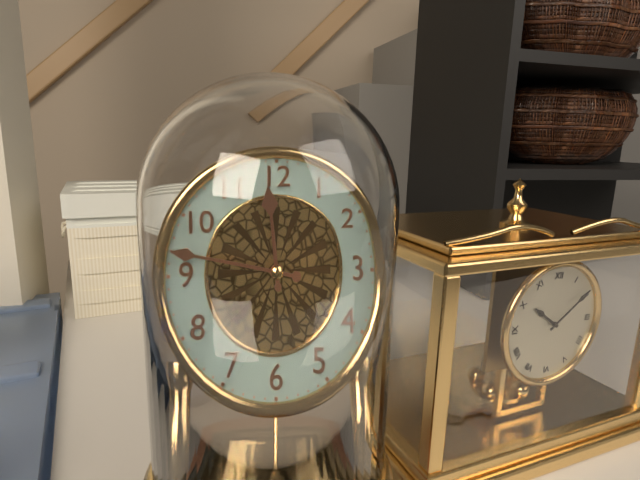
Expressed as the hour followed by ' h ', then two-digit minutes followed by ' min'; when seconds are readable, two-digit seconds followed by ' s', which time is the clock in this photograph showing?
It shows 11 h 47 min
